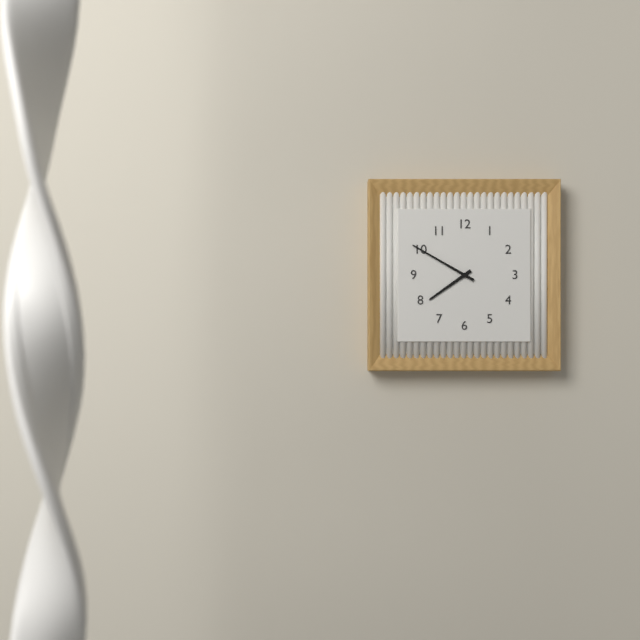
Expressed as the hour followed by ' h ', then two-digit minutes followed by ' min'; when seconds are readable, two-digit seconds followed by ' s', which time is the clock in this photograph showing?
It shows 7 h 50 min
